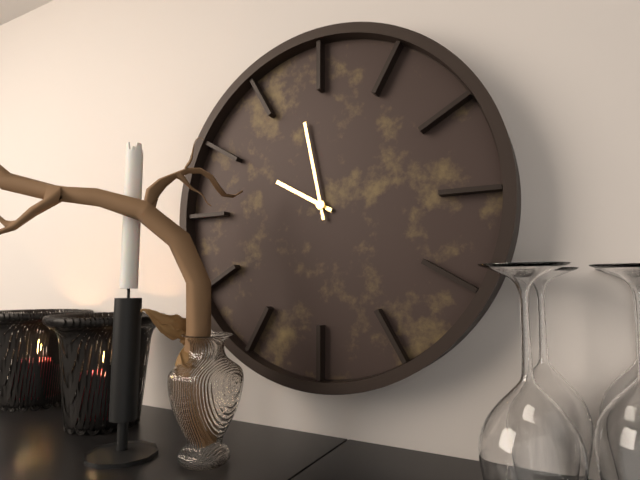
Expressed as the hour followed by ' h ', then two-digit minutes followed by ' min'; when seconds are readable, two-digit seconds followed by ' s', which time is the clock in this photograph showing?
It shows 9 h 58 min
